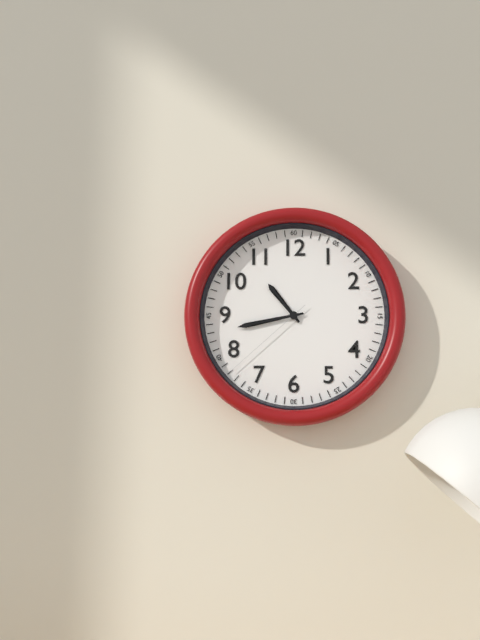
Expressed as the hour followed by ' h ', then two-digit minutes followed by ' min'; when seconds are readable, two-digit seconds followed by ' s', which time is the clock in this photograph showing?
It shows 10 h 43 min 38 s
